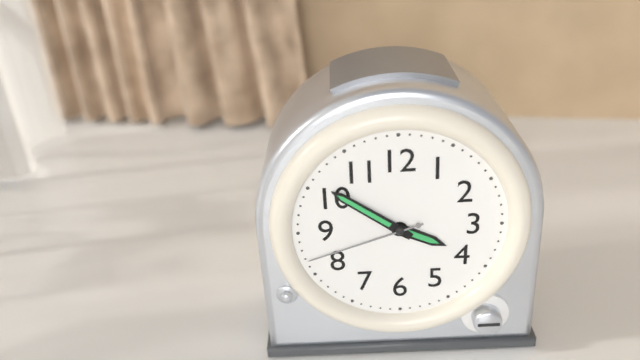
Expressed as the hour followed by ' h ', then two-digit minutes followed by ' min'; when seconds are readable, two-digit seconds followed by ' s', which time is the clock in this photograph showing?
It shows 3 h 51 min 42 s
